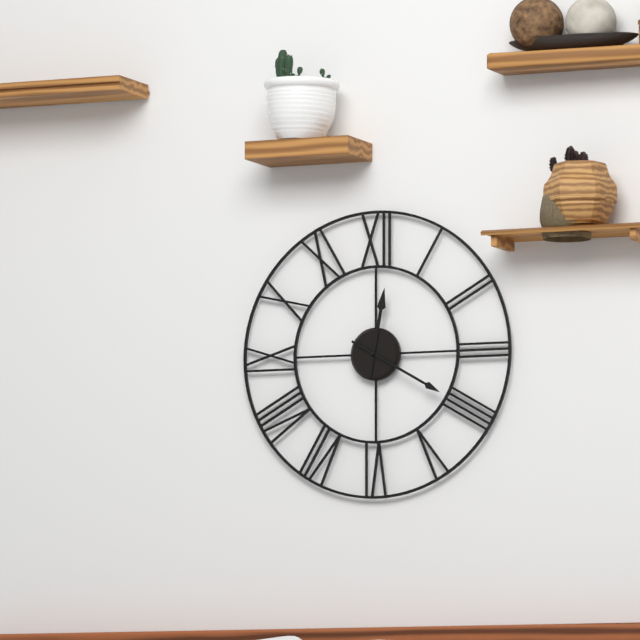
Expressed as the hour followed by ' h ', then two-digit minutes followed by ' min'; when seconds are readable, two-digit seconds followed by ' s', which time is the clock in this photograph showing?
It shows 12 h 20 min
